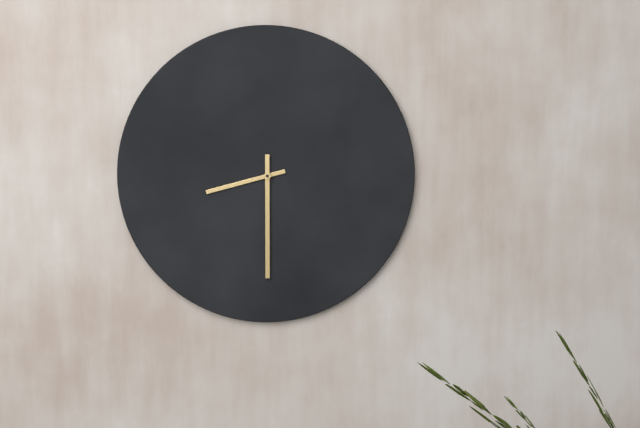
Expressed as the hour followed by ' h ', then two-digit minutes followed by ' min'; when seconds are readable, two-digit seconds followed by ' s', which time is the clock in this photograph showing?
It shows 8 h 30 min
